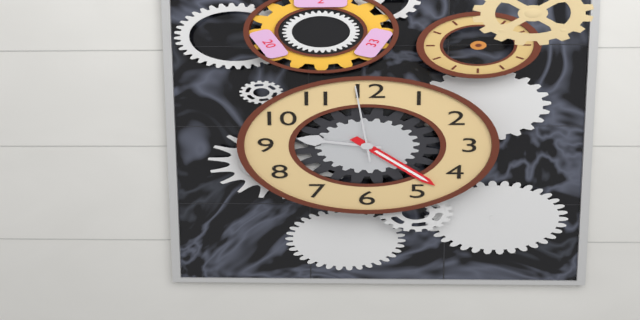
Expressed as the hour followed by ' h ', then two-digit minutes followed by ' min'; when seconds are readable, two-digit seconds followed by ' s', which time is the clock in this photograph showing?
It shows 9 h 23 min 59 s
